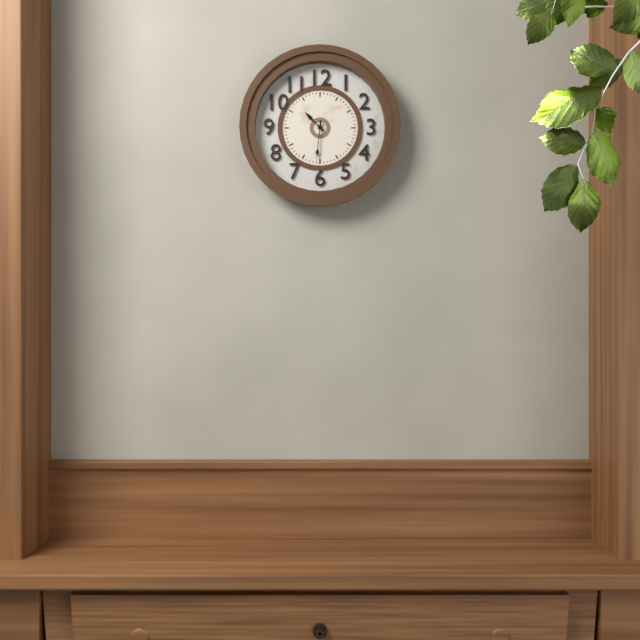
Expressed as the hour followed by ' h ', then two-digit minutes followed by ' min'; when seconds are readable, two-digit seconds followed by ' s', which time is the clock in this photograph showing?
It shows 10 h 31 min
